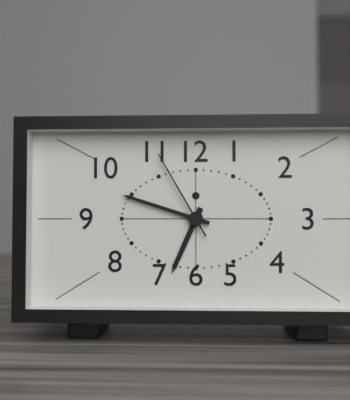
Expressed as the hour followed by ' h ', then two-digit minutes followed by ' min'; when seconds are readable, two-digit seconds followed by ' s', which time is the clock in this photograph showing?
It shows 6 h 48 min 55 s
